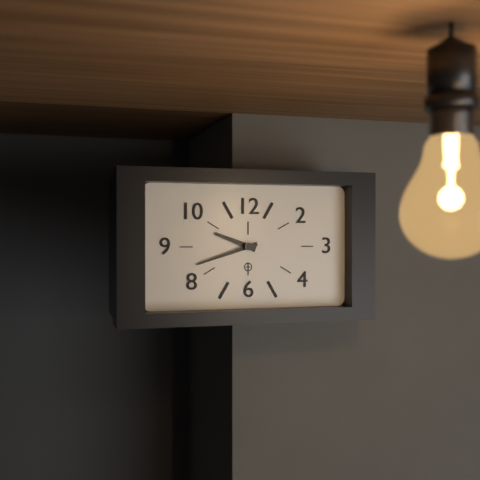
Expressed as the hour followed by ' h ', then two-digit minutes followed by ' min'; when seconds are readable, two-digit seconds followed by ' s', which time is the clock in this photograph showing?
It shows 9 h 42 min
